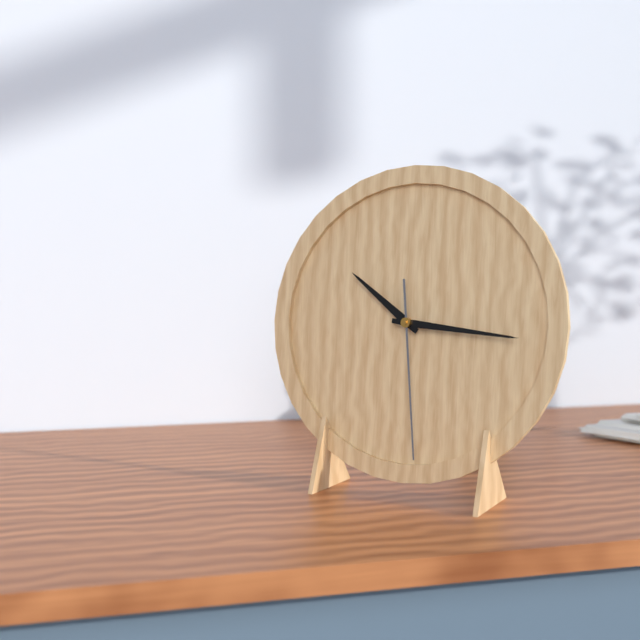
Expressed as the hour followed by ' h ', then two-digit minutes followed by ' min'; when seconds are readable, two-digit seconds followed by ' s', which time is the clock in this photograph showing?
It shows 10 h 16 min 29 s
